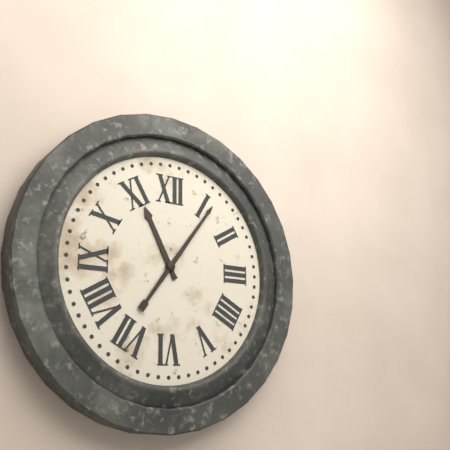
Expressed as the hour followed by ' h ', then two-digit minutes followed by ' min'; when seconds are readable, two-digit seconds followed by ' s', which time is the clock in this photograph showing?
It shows 11 h 06 min
